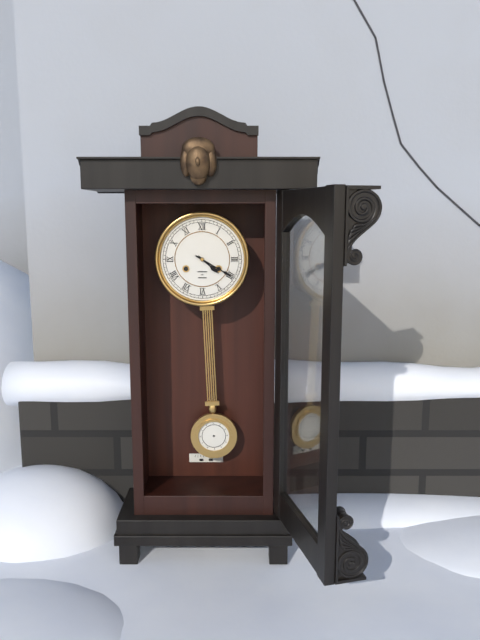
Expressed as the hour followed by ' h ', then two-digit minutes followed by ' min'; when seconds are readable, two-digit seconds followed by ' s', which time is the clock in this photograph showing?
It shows 4 h 20 min
